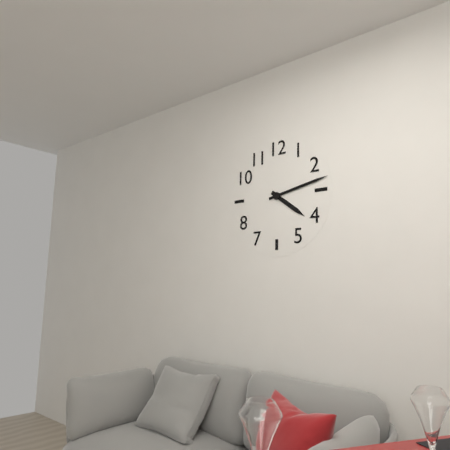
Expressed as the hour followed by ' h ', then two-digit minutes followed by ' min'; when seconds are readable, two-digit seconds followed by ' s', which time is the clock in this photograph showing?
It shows 4 h 13 min
